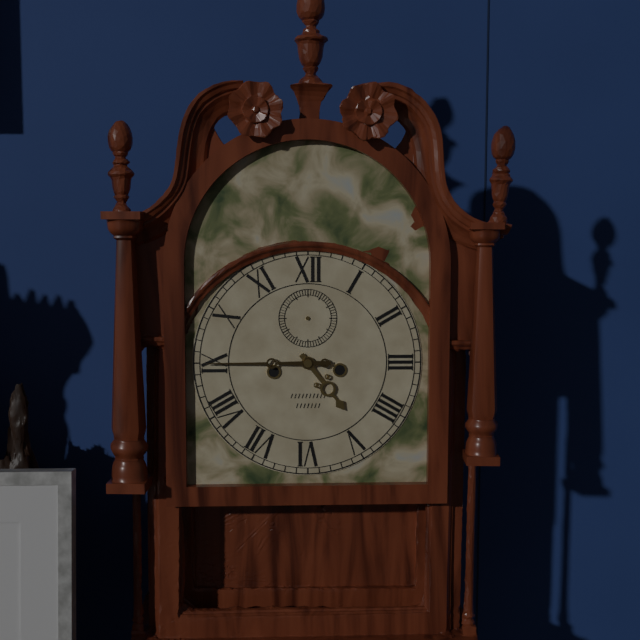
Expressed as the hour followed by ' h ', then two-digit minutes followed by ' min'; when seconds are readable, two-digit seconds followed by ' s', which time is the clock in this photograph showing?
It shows 4 h 45 min
